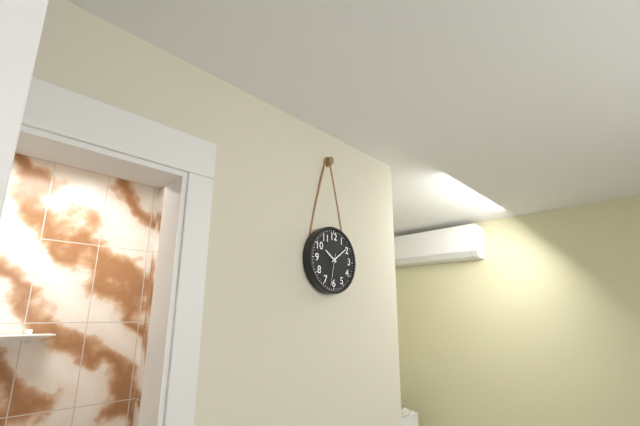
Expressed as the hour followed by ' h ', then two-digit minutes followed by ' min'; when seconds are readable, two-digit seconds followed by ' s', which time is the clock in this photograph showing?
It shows 10 h 09 min
